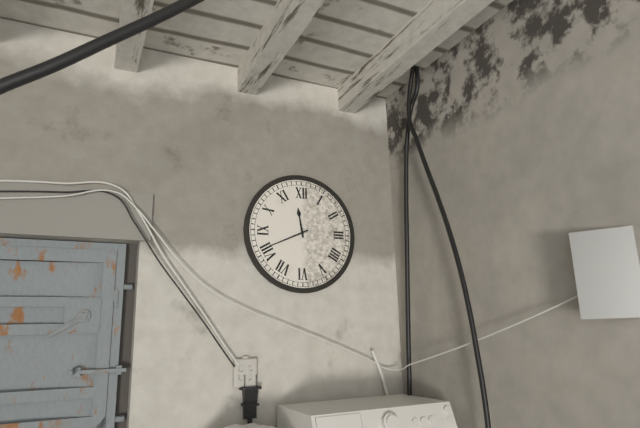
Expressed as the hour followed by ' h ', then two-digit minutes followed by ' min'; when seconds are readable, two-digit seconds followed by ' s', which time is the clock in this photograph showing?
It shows 11 h 41 min
